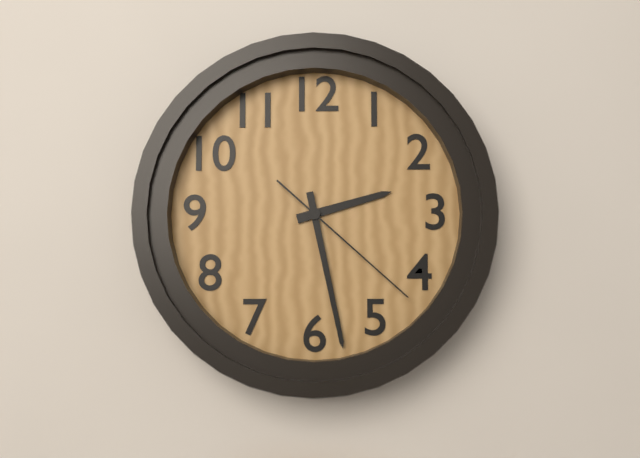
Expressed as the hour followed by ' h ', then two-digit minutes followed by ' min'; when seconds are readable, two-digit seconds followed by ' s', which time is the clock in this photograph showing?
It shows 2 h 28 min 22 s
